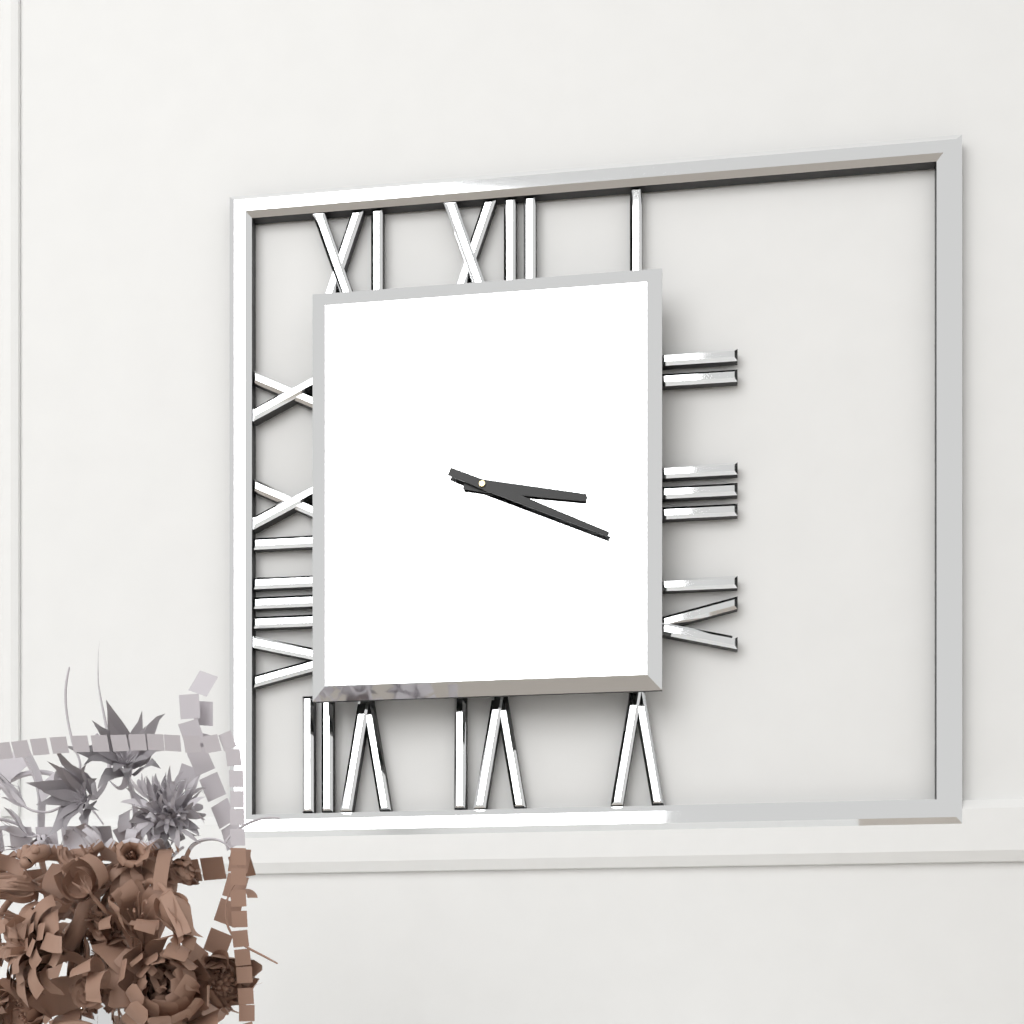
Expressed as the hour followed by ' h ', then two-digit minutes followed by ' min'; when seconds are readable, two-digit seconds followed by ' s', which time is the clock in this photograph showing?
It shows 3 h 19 min
